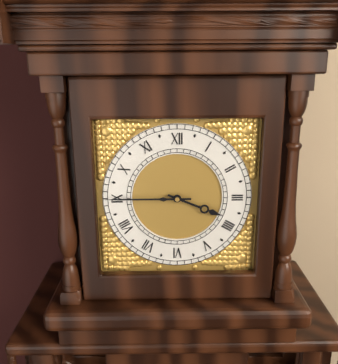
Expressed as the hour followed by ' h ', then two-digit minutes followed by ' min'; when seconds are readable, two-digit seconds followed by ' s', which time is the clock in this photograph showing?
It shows 3 h 45 min
